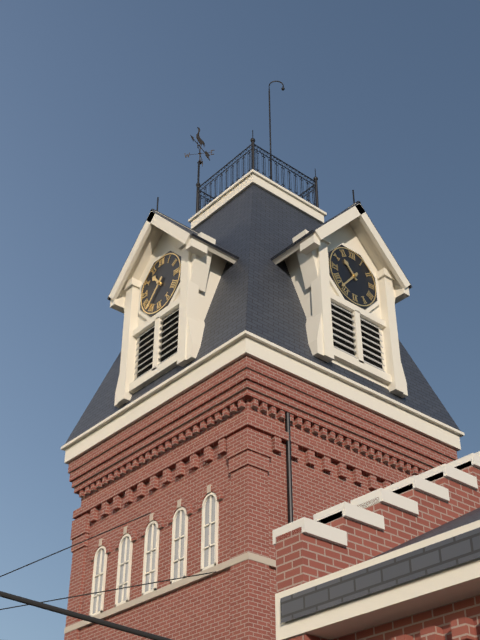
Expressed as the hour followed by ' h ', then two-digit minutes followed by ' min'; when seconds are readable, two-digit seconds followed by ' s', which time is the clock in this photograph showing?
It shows 10 h 37 min
